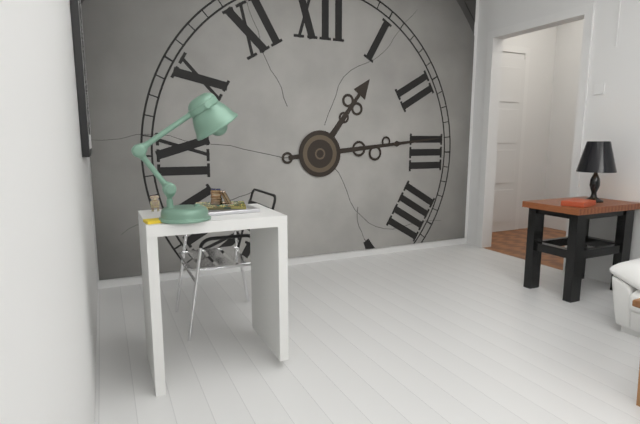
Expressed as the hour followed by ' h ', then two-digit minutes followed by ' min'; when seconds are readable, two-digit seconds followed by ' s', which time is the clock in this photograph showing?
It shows 1 h 14 min
